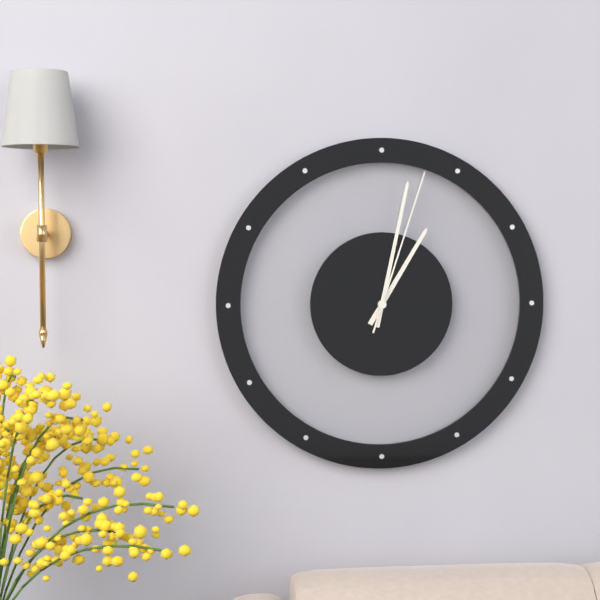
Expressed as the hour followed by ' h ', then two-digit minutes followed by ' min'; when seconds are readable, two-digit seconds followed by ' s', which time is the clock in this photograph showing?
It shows 1 h 02 min 03 s
